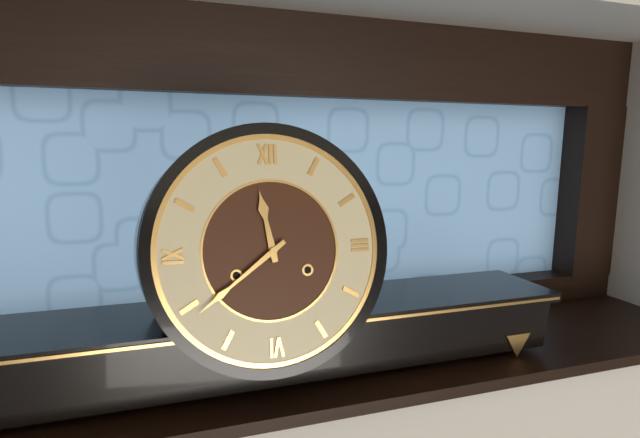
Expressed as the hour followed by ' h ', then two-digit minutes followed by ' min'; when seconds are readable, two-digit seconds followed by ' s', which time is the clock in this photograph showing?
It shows 11 h 39 min
